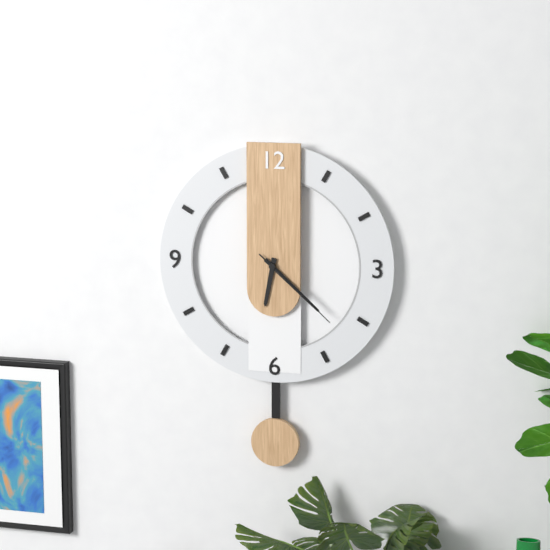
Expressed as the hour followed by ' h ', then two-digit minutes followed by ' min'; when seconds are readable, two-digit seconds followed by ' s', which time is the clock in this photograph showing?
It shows 6 h 22 min 22 s
